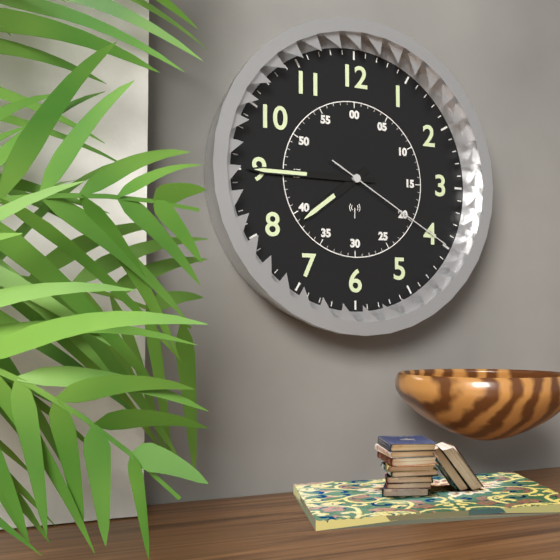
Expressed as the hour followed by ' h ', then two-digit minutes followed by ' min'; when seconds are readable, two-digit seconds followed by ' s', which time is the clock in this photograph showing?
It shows 7 h 45 min 20 s
